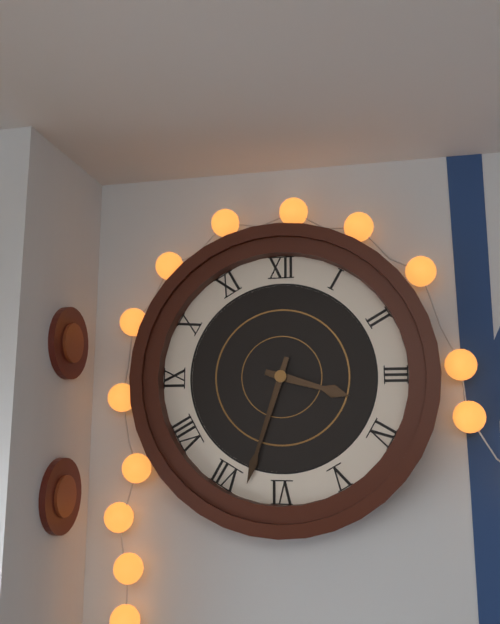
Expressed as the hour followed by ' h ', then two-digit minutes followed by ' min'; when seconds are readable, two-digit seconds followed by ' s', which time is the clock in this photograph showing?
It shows 3 h 33 min
